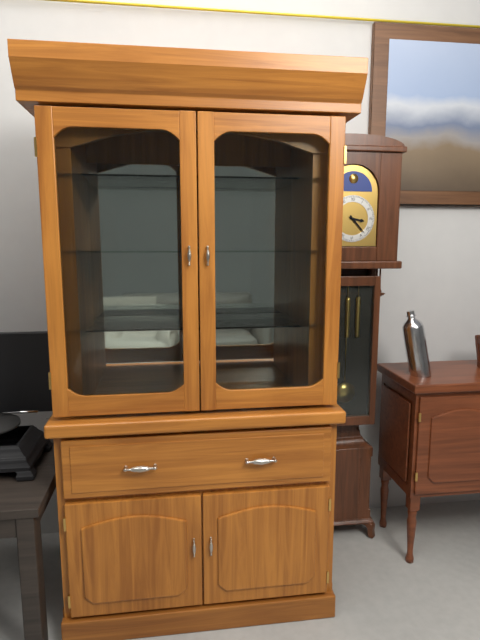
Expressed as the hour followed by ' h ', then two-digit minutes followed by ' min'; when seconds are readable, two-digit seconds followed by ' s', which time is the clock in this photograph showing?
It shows 3 h 23 min
